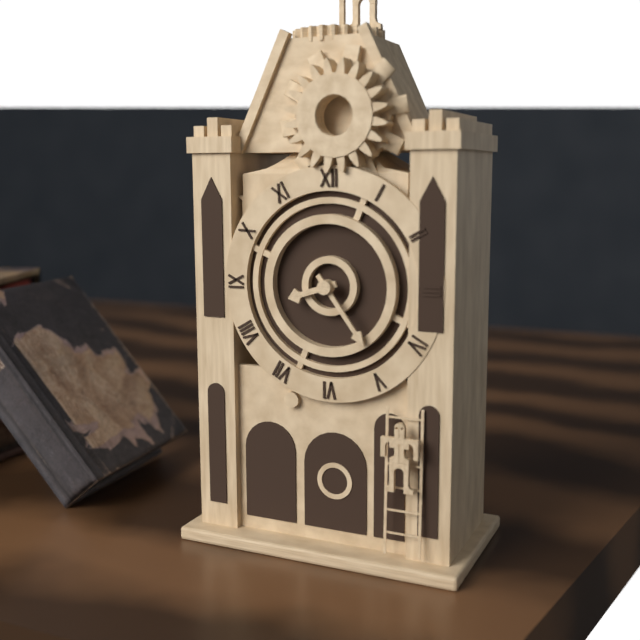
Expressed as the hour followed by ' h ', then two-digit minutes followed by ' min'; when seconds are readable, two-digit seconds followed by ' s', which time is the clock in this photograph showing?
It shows 8 h 24 min
